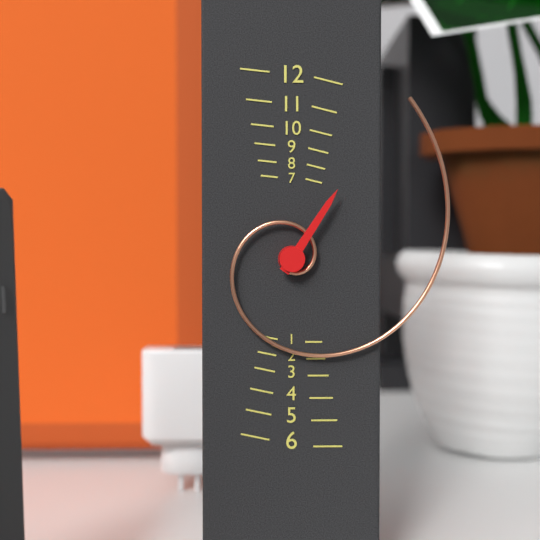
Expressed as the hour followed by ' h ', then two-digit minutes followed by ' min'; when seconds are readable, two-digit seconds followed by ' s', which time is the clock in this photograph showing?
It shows 1 h 06 min
